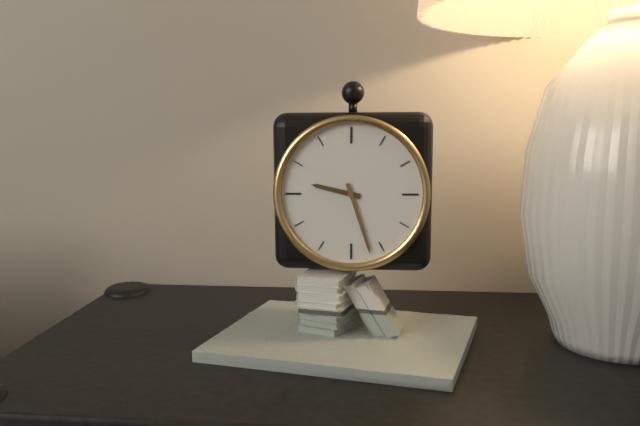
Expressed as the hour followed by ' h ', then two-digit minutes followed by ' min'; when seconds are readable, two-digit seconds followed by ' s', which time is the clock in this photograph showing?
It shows 9 h 27 min
